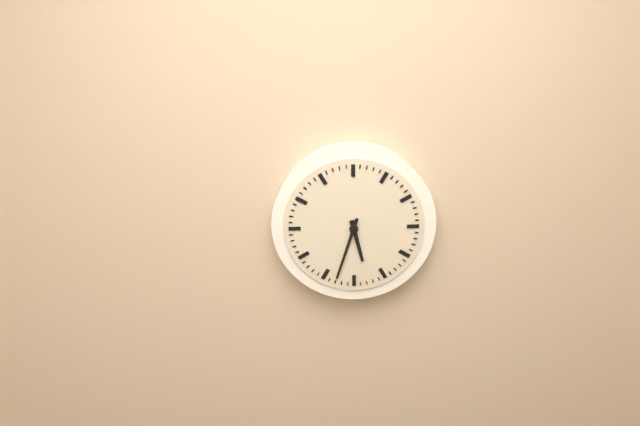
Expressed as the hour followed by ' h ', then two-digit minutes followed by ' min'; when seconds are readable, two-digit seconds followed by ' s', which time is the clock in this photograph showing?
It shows 5 h 33 min
